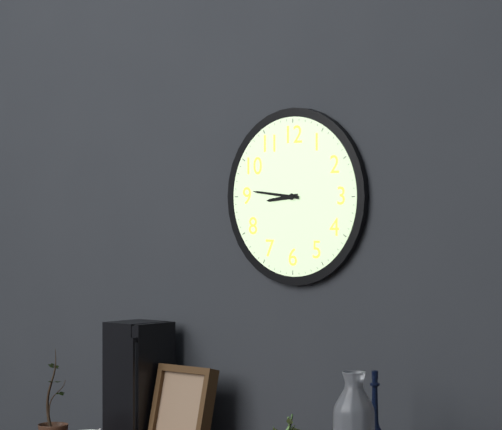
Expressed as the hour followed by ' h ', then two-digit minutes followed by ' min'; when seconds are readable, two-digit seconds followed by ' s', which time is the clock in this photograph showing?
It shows 8 h 46 min
